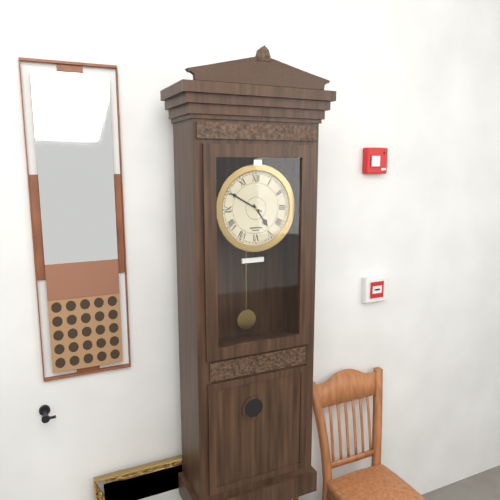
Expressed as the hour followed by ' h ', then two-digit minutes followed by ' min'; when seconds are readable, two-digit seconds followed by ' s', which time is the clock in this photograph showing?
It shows 4 h 50 min
